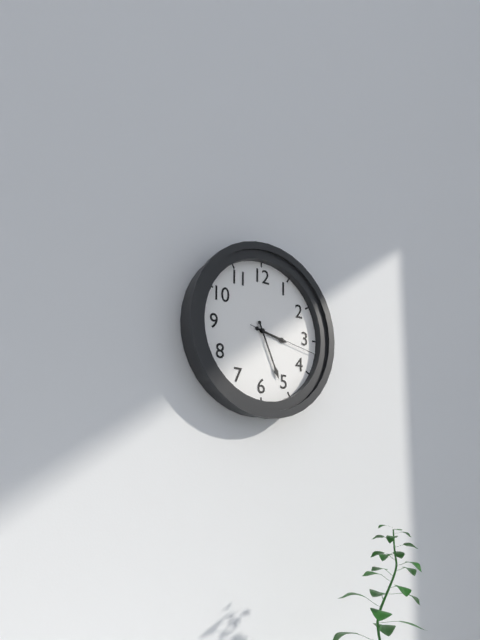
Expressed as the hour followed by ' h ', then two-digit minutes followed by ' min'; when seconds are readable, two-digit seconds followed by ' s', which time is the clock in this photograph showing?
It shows 3 h 26 min 17 s
